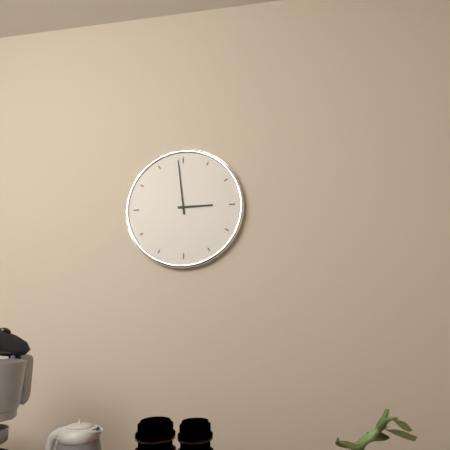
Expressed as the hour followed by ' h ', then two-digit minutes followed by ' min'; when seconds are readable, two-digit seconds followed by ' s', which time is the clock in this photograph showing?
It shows 2 h 59 min
